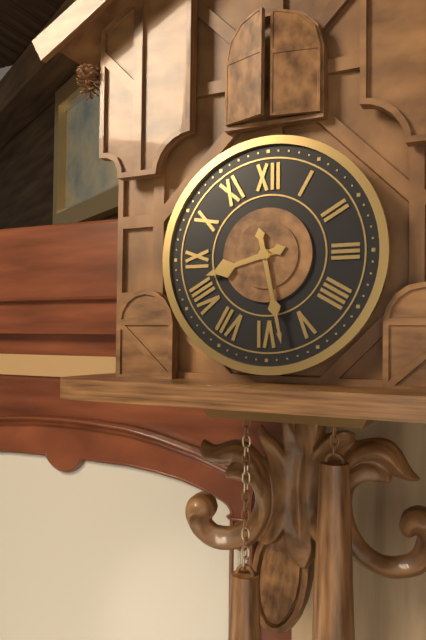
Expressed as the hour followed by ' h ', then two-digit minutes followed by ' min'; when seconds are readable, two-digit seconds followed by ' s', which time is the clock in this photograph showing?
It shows 8 h 28 min
